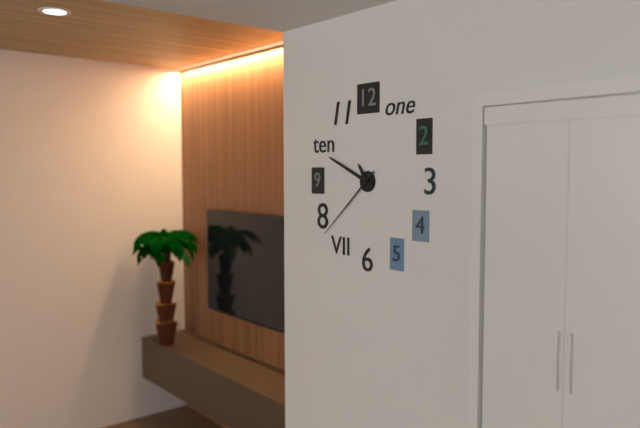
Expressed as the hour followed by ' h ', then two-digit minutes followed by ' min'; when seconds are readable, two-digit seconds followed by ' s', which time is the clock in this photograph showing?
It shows 10 h 49 min 38 s
